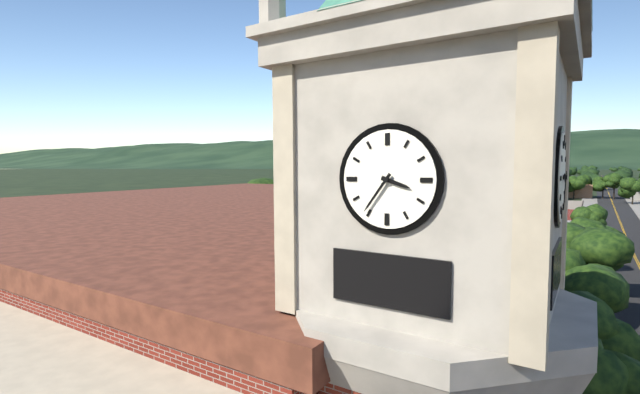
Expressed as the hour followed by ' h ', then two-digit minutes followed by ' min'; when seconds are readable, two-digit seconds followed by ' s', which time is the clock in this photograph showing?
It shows 3 h 36 min
